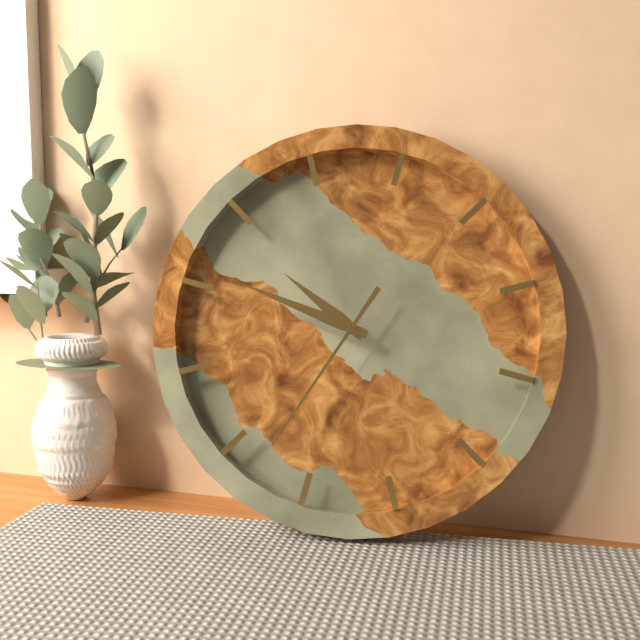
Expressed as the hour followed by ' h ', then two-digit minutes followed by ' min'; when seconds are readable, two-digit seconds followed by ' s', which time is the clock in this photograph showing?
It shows 9 h 46 min 33 s
